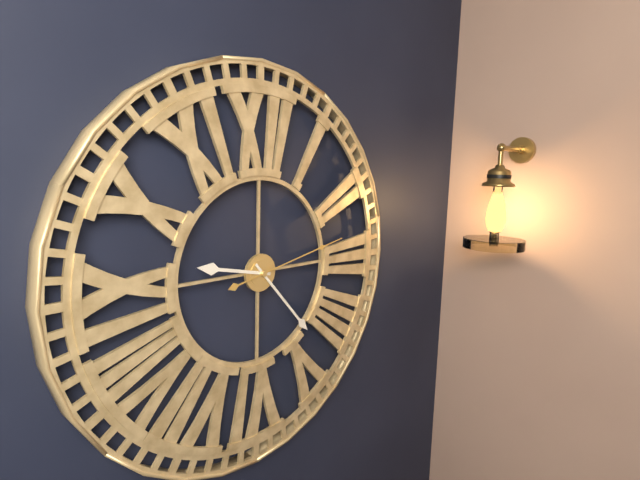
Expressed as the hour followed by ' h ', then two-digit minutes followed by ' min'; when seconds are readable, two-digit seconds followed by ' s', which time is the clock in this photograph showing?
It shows 9 h 23 min 13 s
